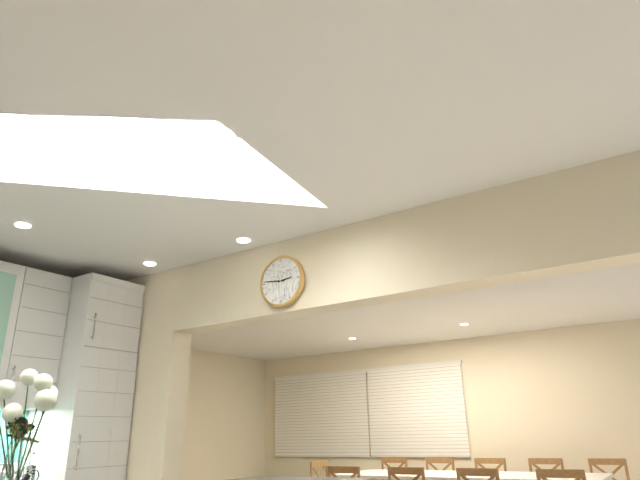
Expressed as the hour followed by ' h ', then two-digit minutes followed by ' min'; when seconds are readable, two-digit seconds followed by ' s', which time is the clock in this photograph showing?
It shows 2 h 46 min
